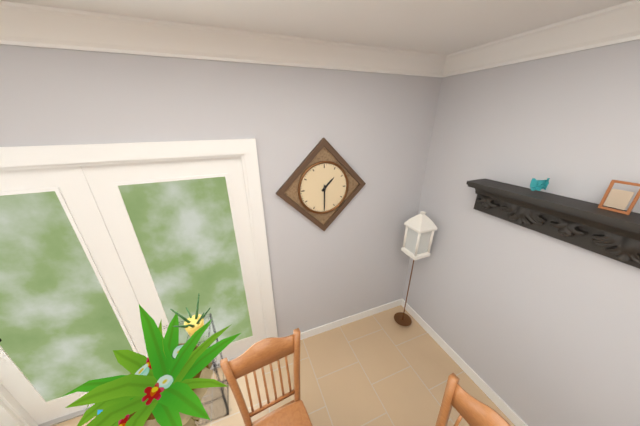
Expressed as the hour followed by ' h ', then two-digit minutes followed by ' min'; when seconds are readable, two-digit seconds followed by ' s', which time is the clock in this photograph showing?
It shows 1 h 30 min
